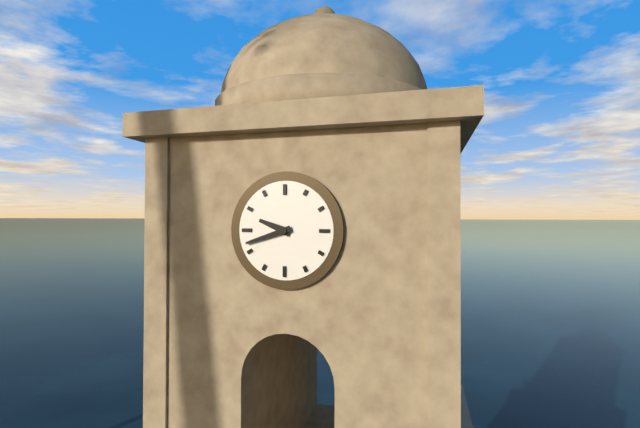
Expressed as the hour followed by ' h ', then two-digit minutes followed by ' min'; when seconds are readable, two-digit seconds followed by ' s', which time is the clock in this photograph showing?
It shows 9 h 42 min
